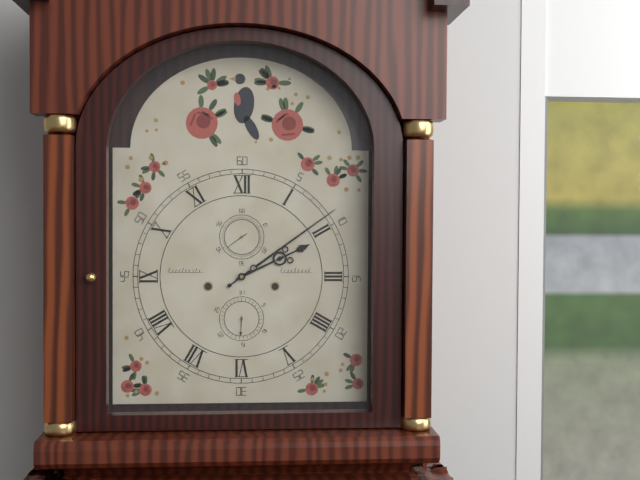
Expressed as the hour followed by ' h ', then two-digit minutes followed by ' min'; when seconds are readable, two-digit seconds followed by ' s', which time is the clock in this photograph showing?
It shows 2 h 09 min
